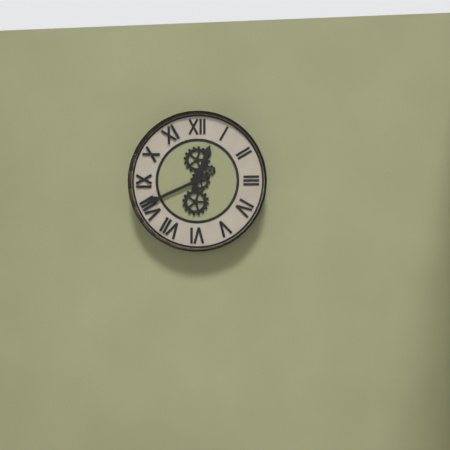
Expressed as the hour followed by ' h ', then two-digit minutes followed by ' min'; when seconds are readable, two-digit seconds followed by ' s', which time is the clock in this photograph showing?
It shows 12 h 41 min
